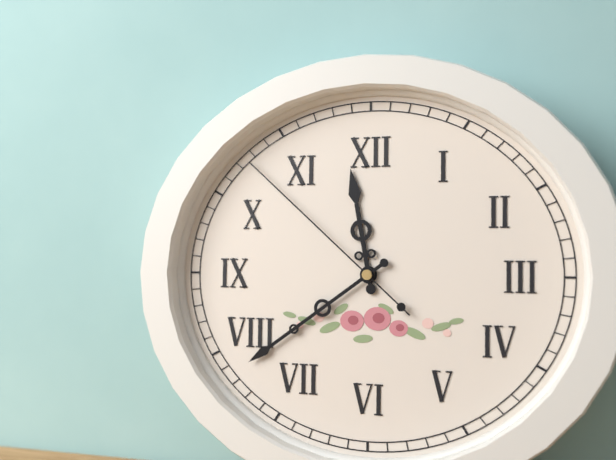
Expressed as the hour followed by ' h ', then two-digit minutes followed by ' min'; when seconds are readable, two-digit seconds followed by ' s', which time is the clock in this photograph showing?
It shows 11 h 39 min 52 s
